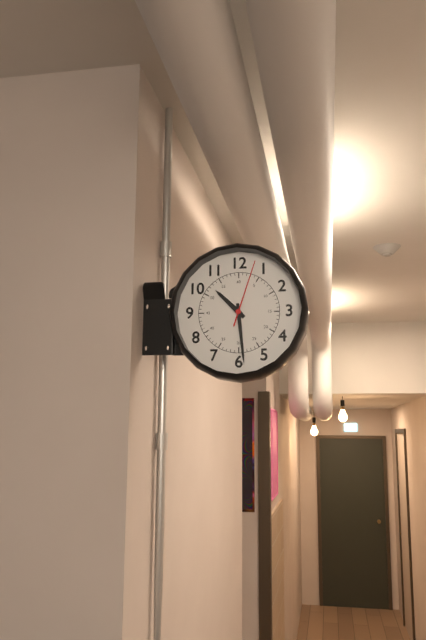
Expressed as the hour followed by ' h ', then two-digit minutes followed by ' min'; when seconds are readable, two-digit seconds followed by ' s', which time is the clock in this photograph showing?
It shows 10 h 29 min 03 s
